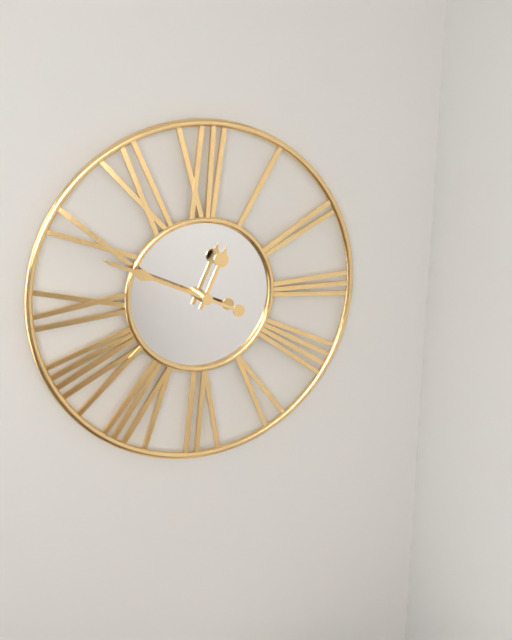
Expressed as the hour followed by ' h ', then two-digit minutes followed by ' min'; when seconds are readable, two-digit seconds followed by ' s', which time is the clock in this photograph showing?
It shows 12 h 49 min
